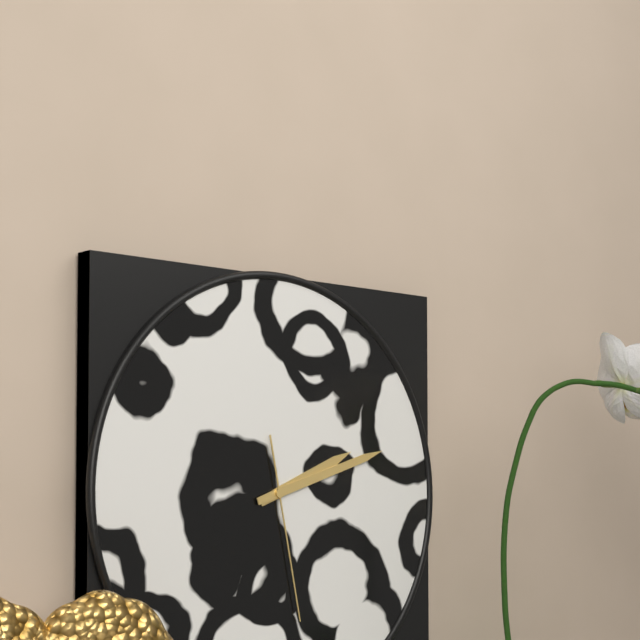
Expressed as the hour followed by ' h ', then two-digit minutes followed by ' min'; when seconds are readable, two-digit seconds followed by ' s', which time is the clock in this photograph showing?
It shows 2 h 12 min 28 s
